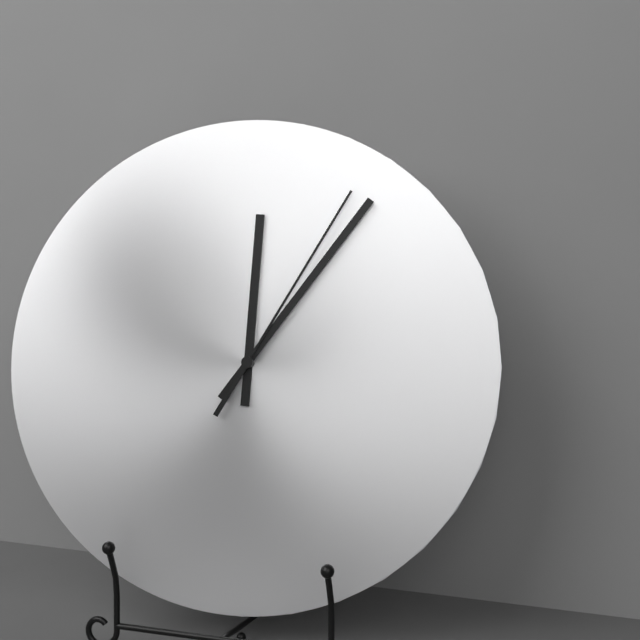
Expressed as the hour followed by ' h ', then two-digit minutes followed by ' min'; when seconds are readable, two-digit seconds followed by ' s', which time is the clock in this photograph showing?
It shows 12 h 06 min 05 s
